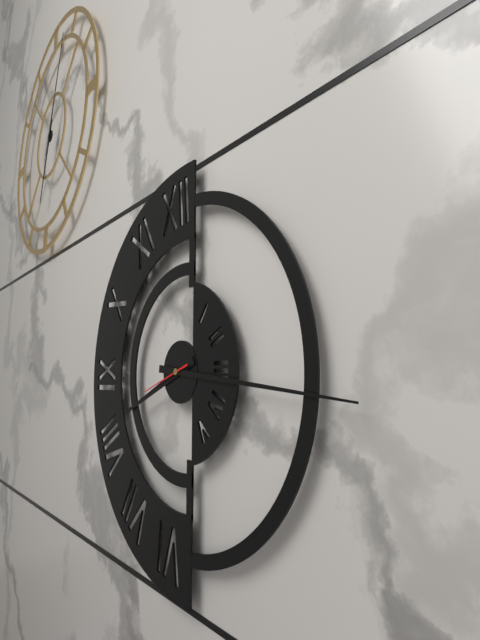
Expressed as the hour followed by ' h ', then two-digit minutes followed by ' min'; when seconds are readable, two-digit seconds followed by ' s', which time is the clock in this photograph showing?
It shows 8 h 16 min
